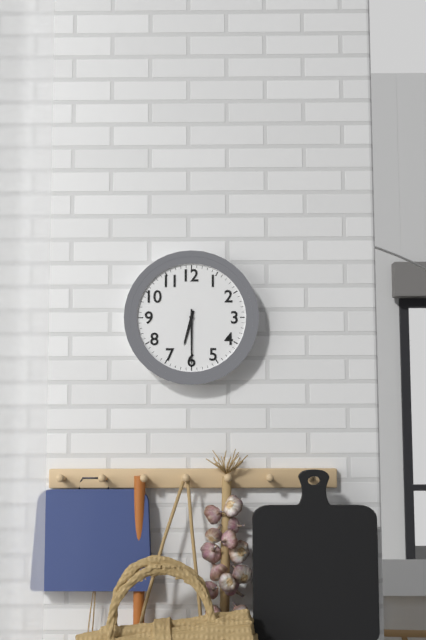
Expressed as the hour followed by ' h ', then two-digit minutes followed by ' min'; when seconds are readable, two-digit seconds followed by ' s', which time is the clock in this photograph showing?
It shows 6 h 30 min
